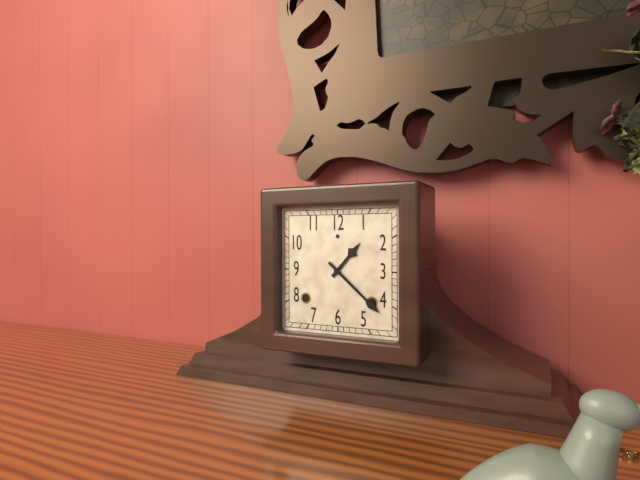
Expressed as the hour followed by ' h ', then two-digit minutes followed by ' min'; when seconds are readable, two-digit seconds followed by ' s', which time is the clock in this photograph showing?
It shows 1 h 22 min
